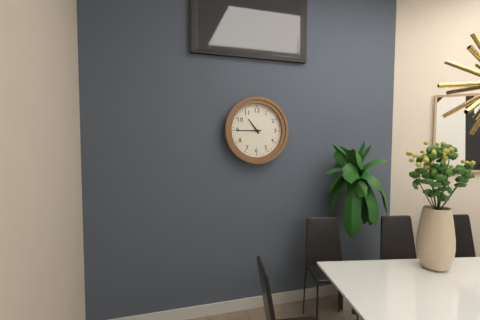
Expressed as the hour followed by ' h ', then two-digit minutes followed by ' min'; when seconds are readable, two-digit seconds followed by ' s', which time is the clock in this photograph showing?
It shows 10 h 45 min
